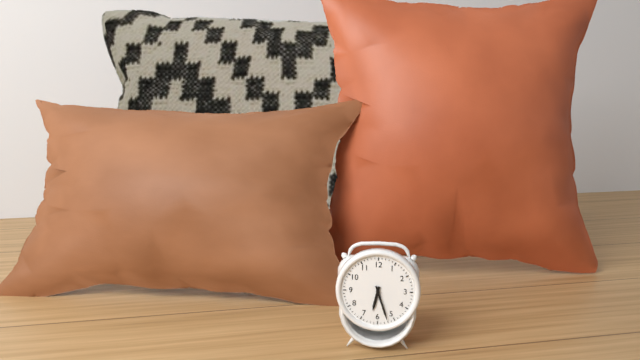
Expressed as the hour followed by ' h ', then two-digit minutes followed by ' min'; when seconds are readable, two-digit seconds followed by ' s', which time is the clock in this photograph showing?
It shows 6 h 27 min
